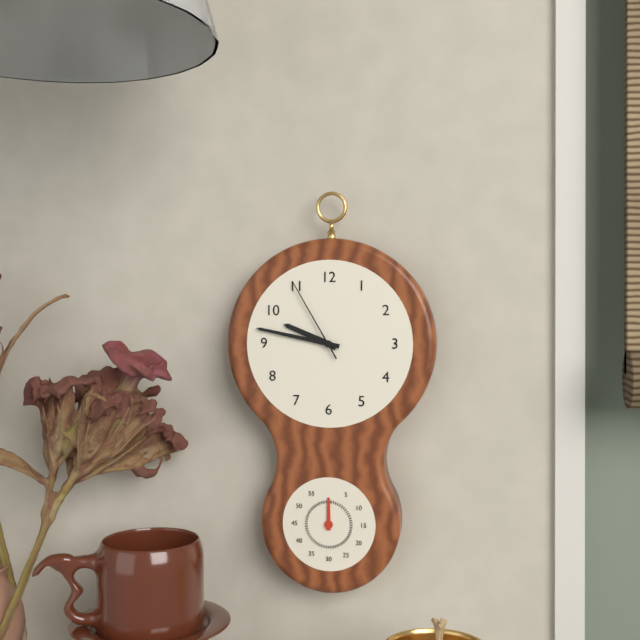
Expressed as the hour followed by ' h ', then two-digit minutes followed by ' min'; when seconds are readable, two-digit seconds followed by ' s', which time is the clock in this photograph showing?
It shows 9 h 47 min 55 s
